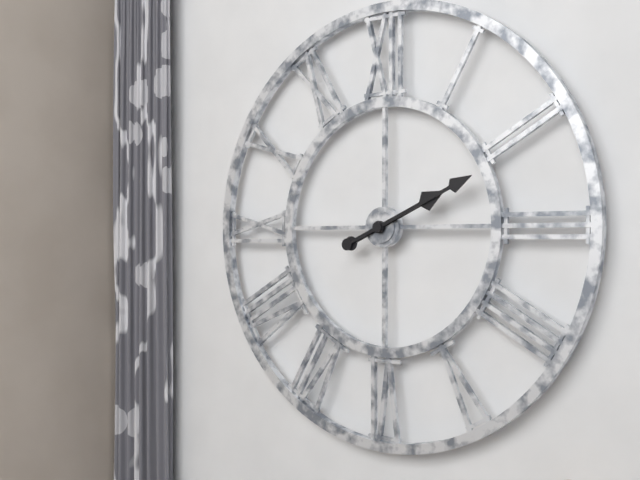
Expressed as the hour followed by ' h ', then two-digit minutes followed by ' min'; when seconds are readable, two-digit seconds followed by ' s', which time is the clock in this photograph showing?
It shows 2 h 11 min
